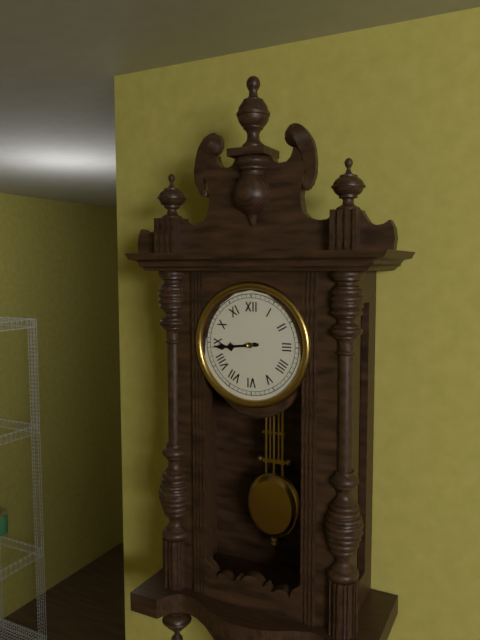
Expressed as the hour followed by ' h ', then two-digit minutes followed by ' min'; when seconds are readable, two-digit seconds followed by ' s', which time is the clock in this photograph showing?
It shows 8 h 44 min
